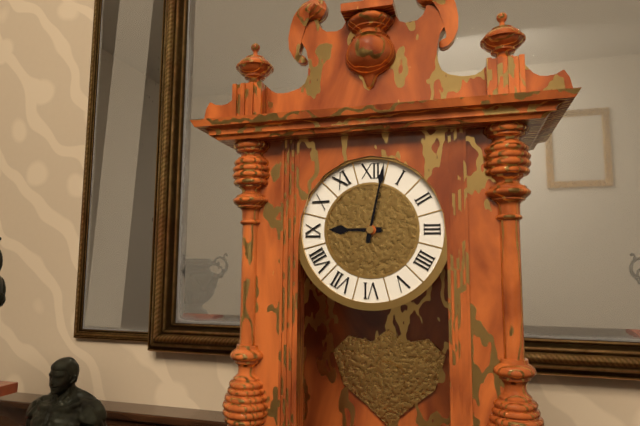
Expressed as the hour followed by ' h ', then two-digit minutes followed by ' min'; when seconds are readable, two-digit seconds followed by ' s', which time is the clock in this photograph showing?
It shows 9 h 02 min
